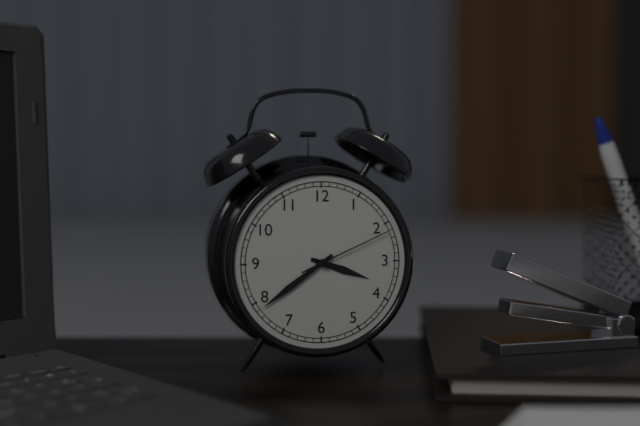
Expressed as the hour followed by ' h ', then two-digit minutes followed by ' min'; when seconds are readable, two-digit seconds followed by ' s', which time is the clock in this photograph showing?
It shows 3 h 39 min 11 s
